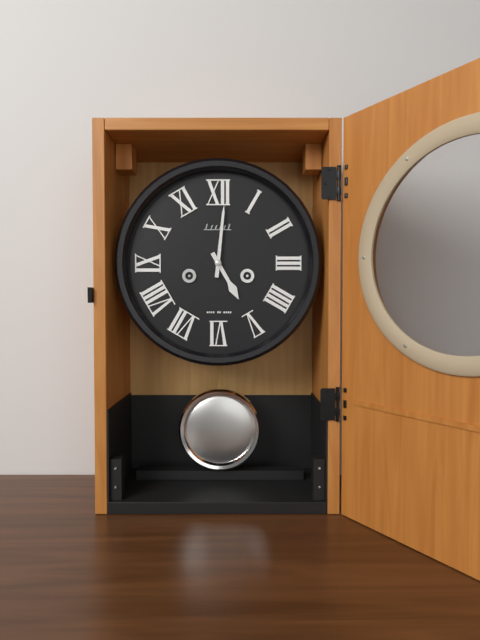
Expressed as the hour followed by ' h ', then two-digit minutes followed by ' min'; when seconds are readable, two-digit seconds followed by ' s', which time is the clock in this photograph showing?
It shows 5 h 01 min
